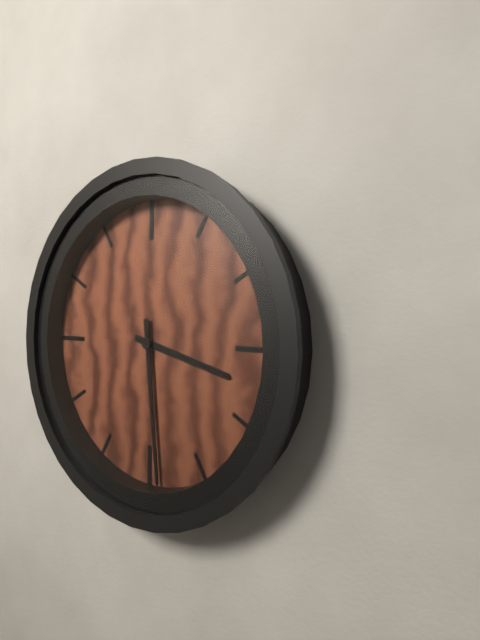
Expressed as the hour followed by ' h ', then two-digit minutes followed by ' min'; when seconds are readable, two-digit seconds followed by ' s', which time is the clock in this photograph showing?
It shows 3 h 29 min
